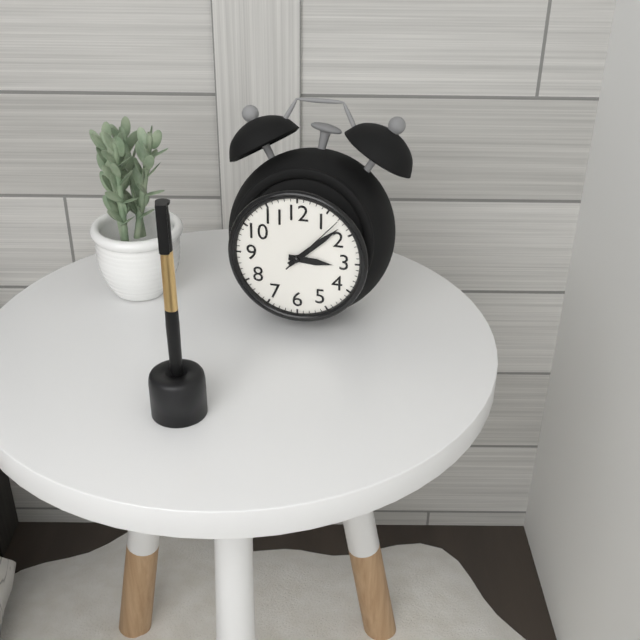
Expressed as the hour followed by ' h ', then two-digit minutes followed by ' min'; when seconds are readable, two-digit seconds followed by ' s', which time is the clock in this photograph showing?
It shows 3 h 08 min 07 s
